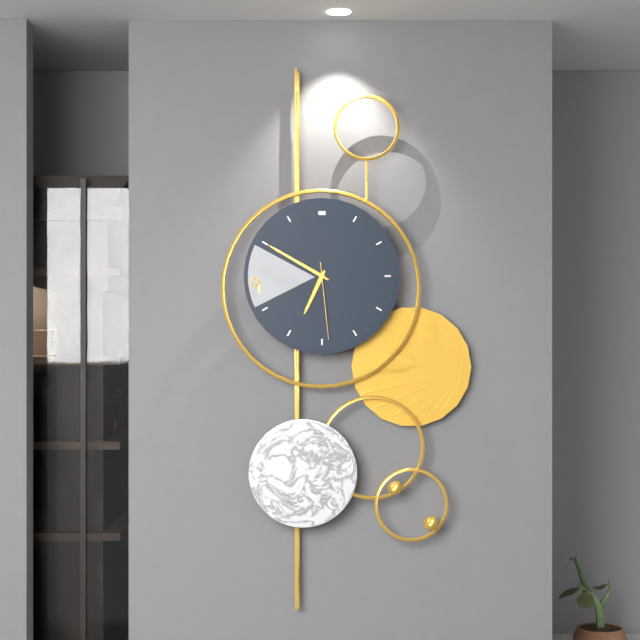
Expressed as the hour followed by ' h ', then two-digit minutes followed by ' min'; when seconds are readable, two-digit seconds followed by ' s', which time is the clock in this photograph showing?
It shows 6 h 50 min 29 s
